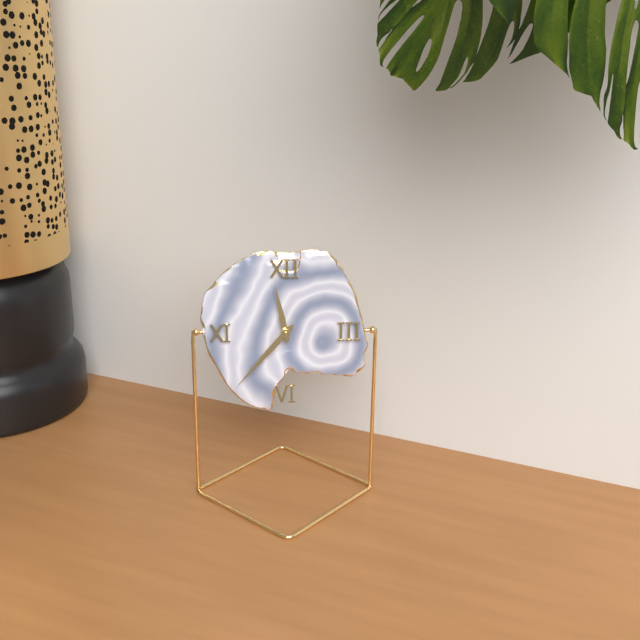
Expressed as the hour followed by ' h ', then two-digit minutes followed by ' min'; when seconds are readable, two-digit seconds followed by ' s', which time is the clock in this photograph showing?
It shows 11 h 37 min
